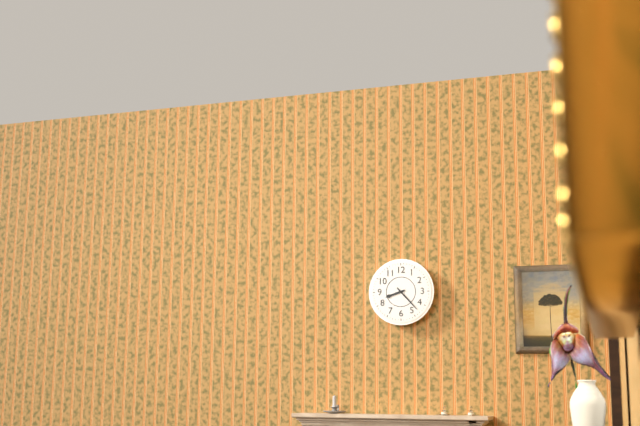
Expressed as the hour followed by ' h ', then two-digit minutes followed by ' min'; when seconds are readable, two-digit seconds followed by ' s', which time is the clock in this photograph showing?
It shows 8 h 23 min
